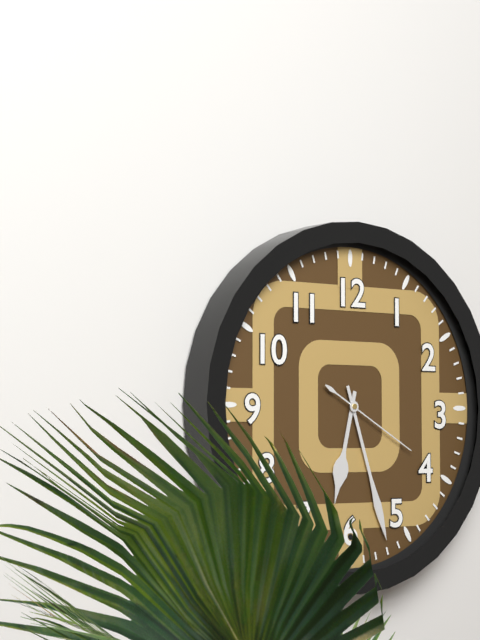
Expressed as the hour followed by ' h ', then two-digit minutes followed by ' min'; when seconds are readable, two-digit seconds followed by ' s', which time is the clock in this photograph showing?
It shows 6 h 27 min 20 s
